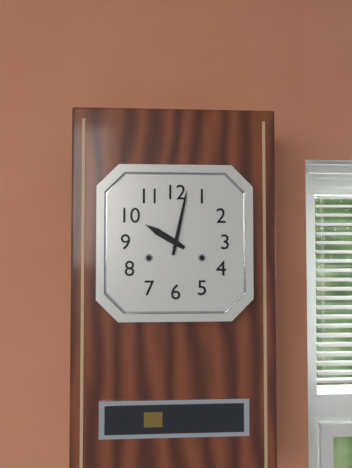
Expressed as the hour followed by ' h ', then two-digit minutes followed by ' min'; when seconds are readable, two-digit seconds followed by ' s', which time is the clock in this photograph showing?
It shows 10 h 02 min
